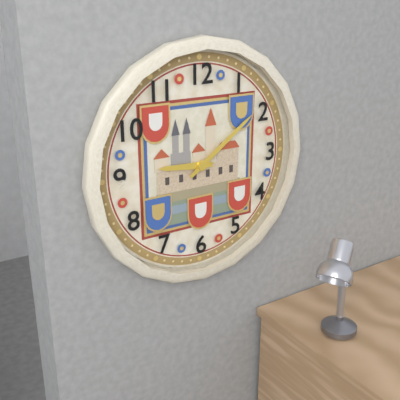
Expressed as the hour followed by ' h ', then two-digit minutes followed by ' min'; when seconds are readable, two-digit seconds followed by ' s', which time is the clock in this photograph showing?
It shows 9 h 09 min
